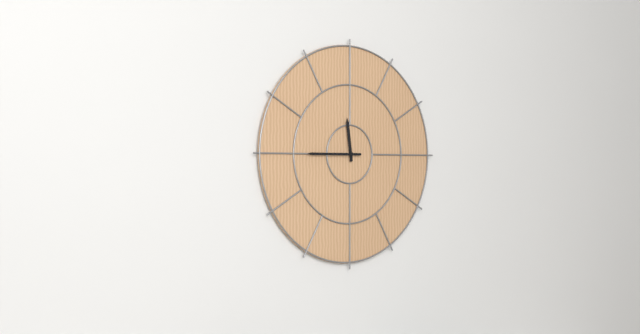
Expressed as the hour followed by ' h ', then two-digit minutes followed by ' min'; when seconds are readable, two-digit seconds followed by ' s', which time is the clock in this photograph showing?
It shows 11 h 45 min
